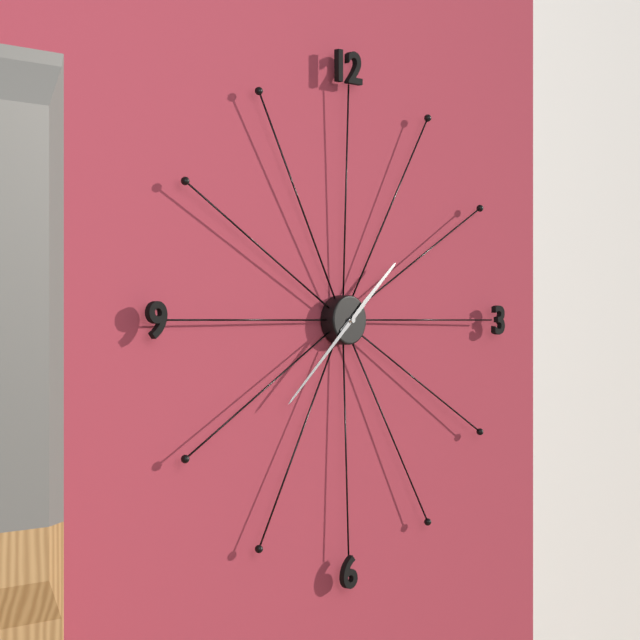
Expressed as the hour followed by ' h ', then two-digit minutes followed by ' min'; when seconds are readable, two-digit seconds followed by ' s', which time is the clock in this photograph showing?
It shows 1 h 38 min
